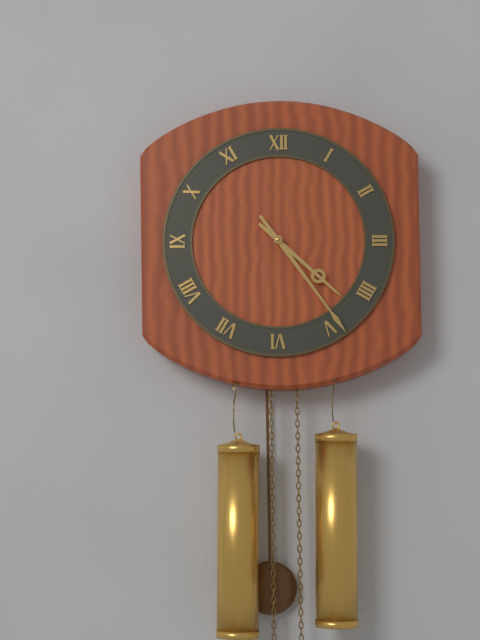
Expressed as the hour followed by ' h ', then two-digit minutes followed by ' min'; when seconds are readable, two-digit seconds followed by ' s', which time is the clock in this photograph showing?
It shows 4 h 24 min
